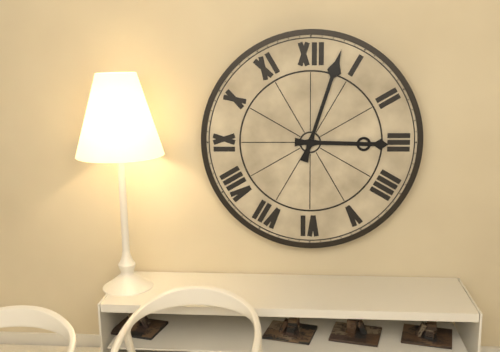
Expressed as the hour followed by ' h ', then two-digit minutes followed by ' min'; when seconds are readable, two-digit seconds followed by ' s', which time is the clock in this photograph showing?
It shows 3 h 03 min
